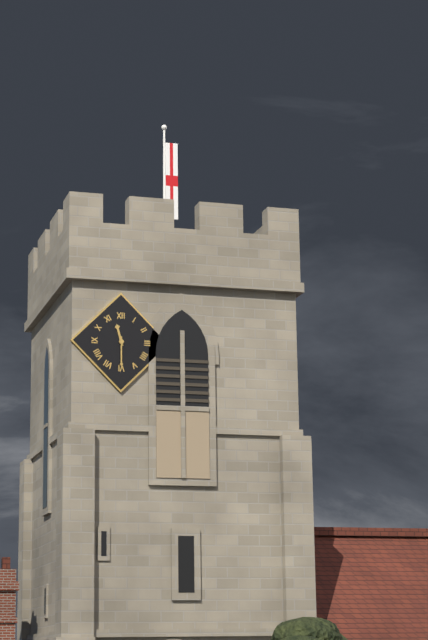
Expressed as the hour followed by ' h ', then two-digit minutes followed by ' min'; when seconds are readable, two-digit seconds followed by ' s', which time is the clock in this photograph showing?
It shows 11 h 30 min
